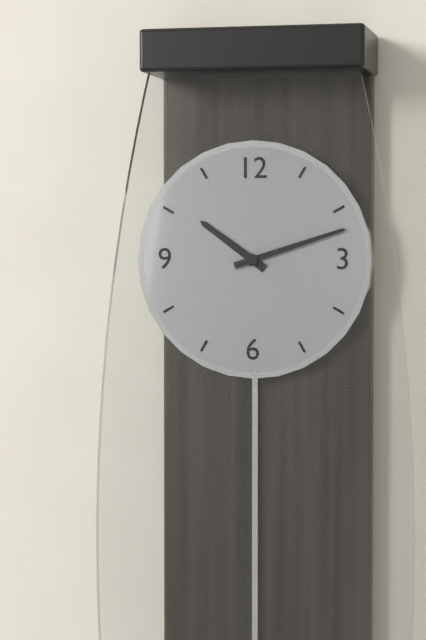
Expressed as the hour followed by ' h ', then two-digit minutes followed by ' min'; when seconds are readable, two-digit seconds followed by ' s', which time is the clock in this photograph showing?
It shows 10 h 12 min
